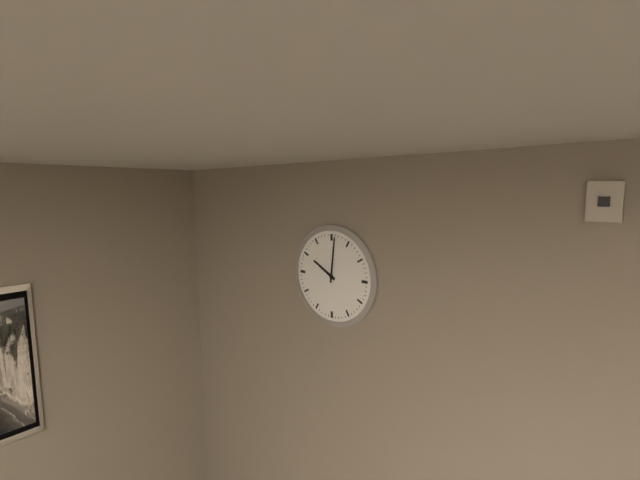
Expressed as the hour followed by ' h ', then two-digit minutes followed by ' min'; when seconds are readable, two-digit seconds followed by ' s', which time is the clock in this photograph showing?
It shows 10 h 01 min
